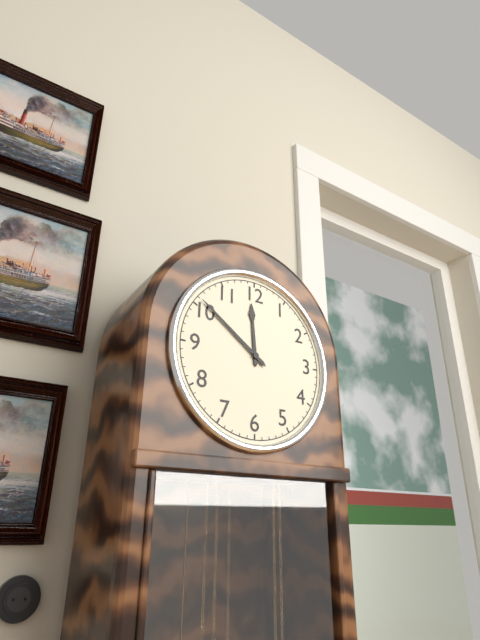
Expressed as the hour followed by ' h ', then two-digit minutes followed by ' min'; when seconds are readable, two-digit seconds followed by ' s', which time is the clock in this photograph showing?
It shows 11 h 51 min
